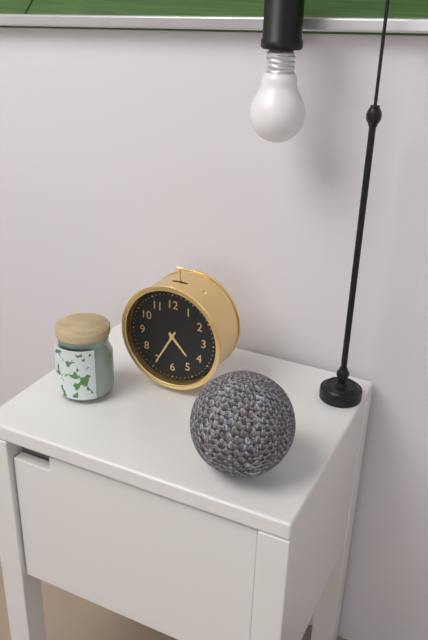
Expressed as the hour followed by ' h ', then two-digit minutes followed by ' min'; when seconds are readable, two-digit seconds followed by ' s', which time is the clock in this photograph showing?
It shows 4 h 35 min
